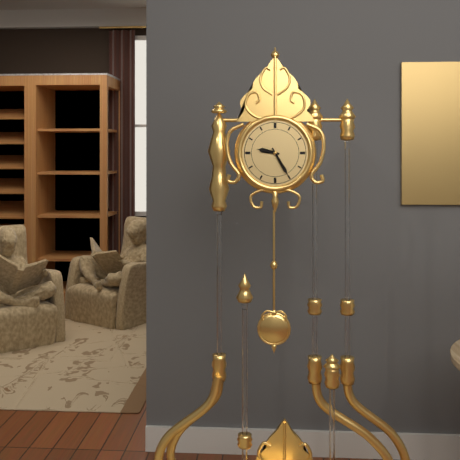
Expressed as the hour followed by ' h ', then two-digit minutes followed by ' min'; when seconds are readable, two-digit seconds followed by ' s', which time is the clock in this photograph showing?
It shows 9 h 25 min
